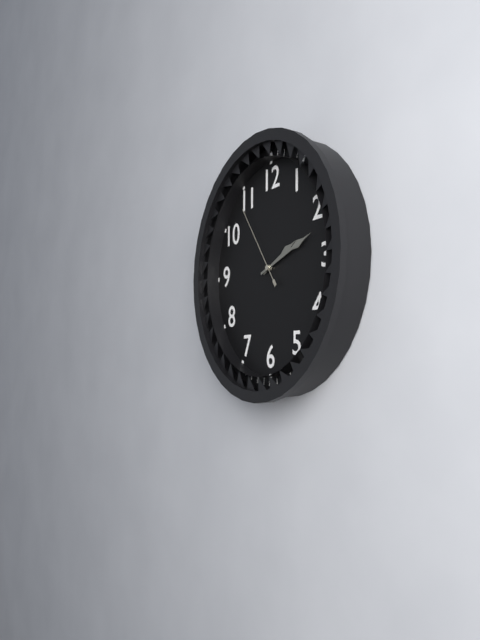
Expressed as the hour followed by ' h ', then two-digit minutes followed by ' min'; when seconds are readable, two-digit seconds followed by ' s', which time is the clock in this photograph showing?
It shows 2 h 12 min 54 s
